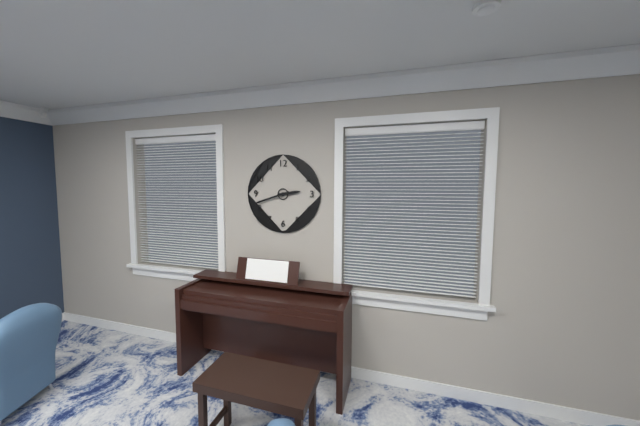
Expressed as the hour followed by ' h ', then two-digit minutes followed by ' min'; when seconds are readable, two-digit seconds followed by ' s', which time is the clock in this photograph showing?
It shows 2 h 42 min
